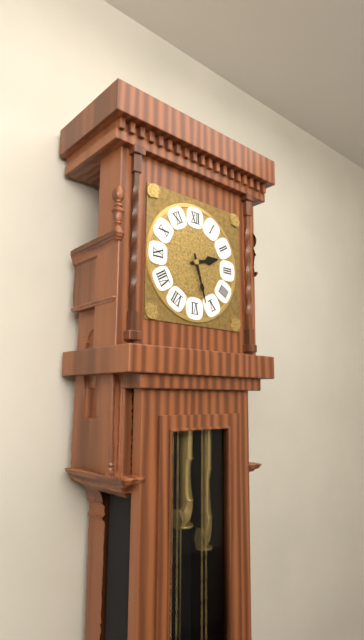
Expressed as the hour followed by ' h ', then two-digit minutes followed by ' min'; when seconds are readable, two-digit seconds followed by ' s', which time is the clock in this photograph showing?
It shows 2 h 27 min
